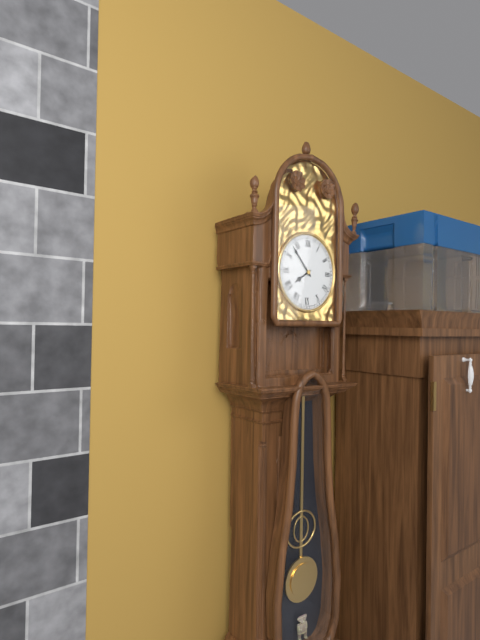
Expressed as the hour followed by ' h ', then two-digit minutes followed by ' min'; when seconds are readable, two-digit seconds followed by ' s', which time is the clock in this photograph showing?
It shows 7 h 53 min
